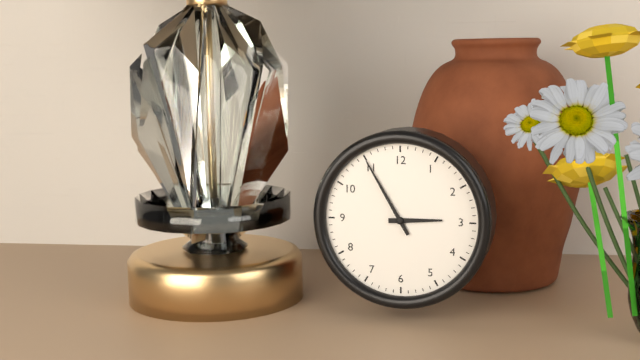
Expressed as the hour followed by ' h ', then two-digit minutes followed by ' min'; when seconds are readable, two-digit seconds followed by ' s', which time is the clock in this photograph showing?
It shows 2 h 55 min
